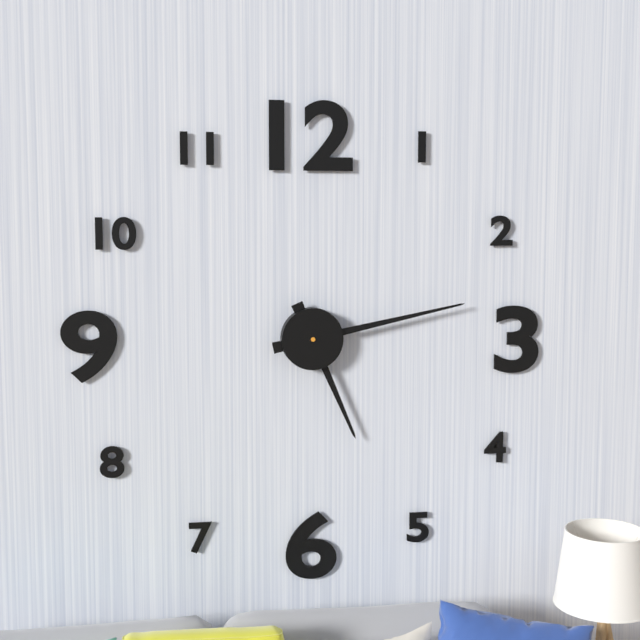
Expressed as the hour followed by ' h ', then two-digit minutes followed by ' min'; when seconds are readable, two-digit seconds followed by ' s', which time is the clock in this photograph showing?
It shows 5 h 13 min
